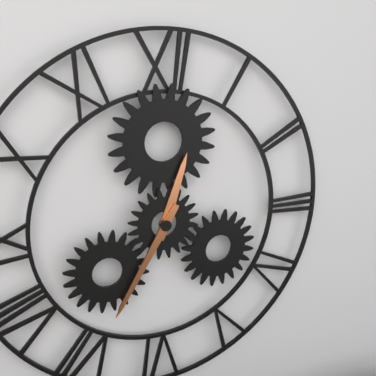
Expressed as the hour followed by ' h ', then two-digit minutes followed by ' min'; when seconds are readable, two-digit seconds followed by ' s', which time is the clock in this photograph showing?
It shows 12 h 35 min
